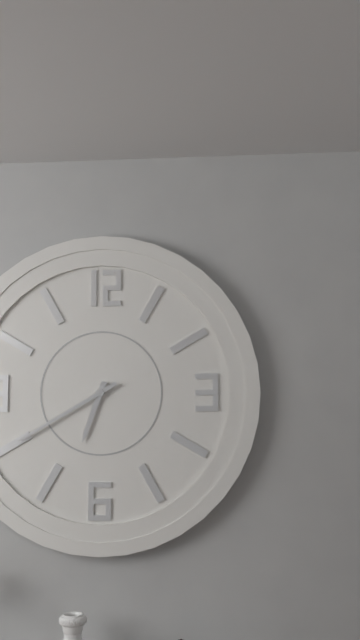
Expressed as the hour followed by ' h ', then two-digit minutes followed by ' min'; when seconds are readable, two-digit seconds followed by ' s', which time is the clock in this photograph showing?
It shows 6 h 40 min
